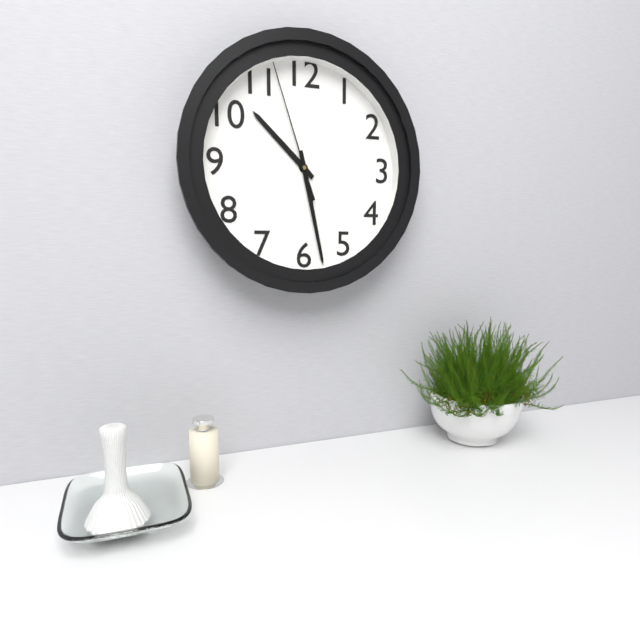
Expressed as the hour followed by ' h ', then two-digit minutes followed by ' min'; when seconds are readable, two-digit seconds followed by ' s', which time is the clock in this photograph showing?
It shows 10 h 28 min 57 s
